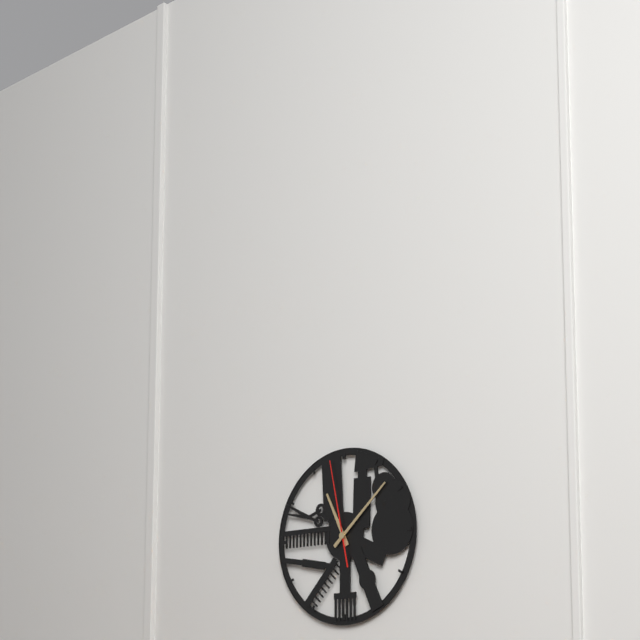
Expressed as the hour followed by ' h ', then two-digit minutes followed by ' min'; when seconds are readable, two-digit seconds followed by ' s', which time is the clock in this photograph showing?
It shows 11 h 08 min 58 s
